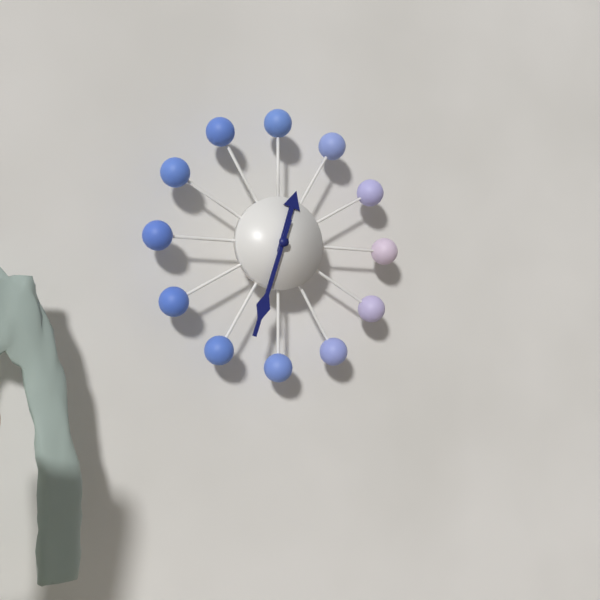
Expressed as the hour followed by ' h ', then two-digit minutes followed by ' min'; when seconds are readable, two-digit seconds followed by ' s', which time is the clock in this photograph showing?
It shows 12 h 33 min
